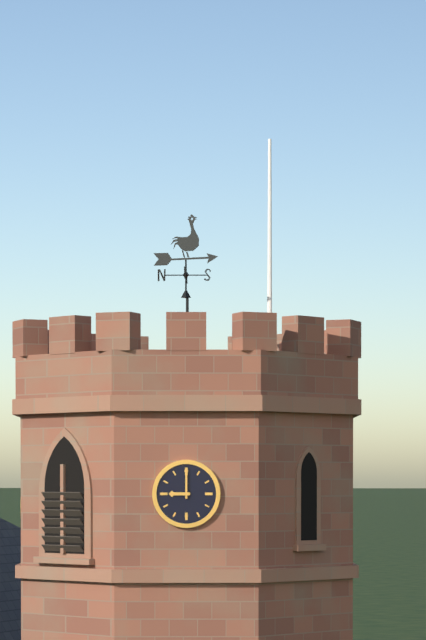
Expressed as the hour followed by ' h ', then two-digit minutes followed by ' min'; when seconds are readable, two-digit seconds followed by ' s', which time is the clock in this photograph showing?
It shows 9 h 00 min
